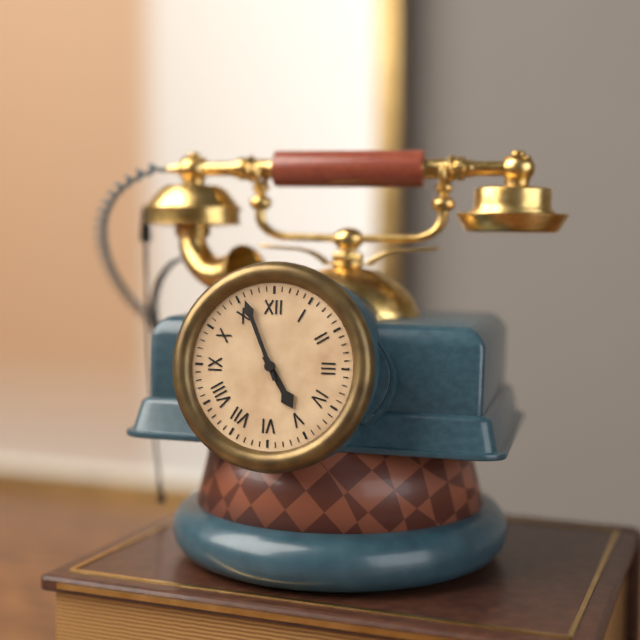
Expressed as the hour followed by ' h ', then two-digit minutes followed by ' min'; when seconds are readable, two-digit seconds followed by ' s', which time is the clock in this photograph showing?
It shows 4 h 56 min
